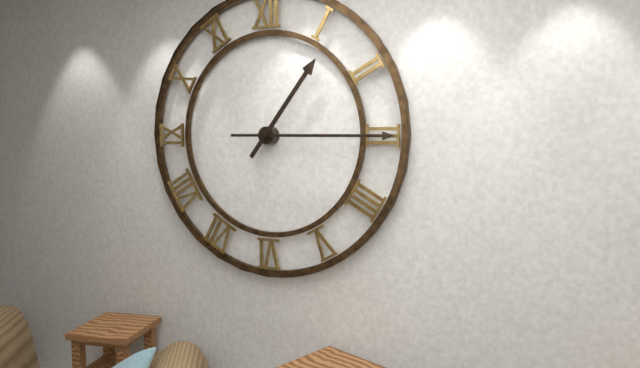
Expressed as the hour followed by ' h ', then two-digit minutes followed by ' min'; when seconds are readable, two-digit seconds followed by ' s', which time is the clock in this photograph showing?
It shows 1 h 15 min
